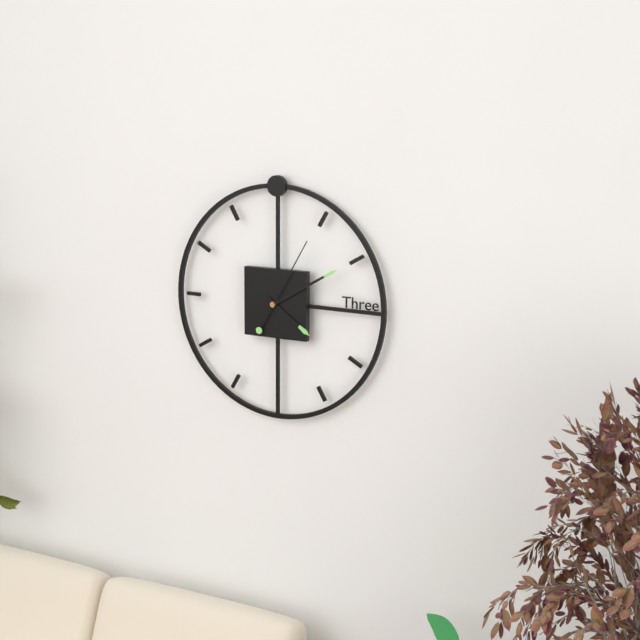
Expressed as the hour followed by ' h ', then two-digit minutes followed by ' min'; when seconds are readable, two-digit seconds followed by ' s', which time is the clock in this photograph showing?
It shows 4 h 10 min 05 s
